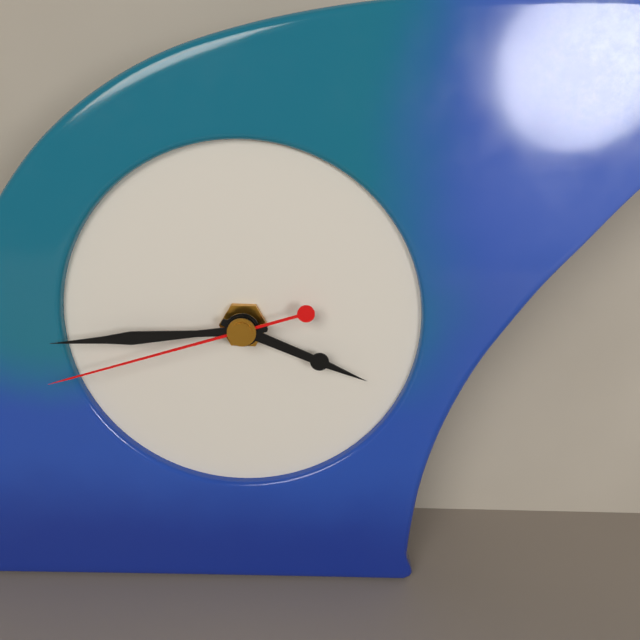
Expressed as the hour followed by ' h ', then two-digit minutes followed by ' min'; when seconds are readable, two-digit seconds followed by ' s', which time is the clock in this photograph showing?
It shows 3 h 44 min 42 s
